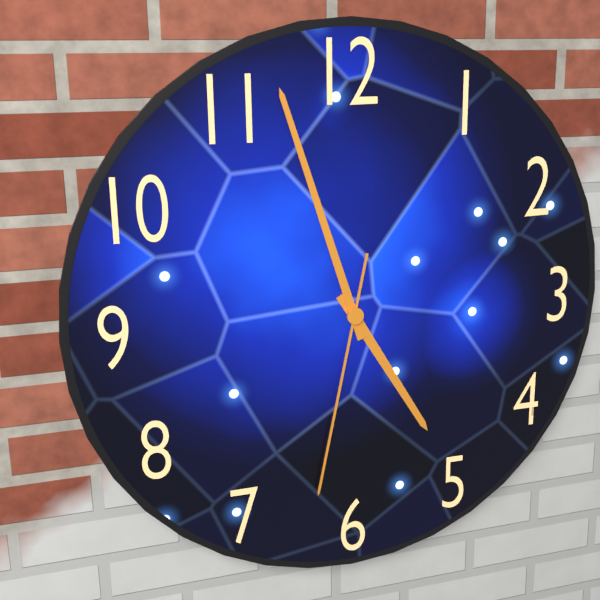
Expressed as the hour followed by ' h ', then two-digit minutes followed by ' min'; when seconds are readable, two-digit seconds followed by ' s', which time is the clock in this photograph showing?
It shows 4 h 57 min 32 s
